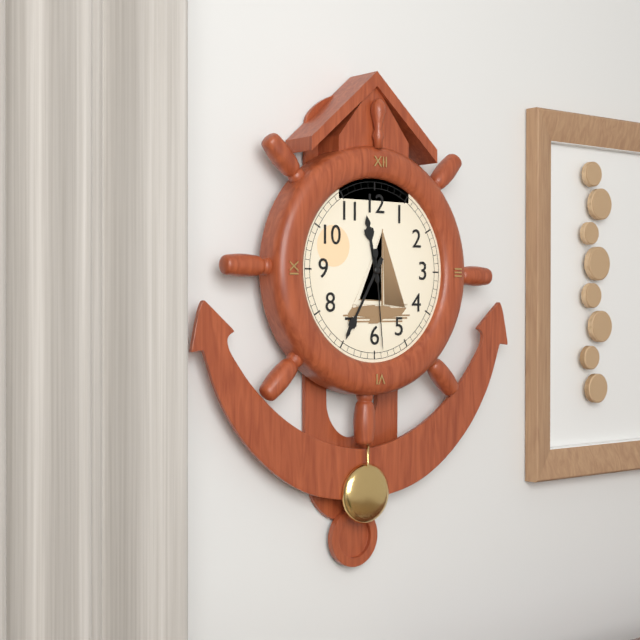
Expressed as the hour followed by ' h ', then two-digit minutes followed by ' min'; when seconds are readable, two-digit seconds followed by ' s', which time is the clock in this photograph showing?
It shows 11 h 35 min 29 s
